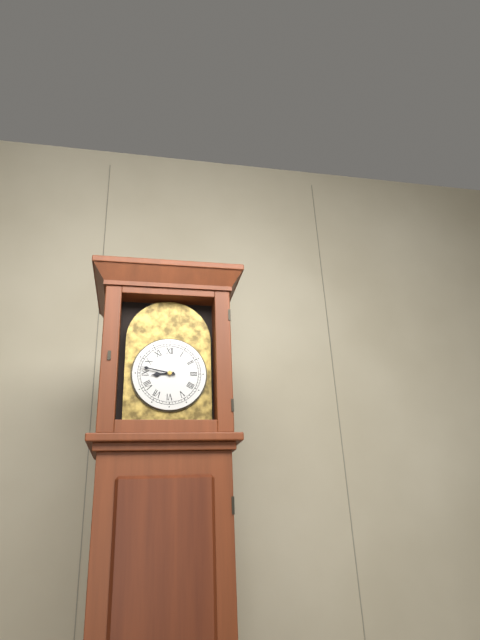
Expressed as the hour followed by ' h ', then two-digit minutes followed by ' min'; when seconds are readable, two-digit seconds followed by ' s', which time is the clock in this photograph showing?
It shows 8 h 47 min
